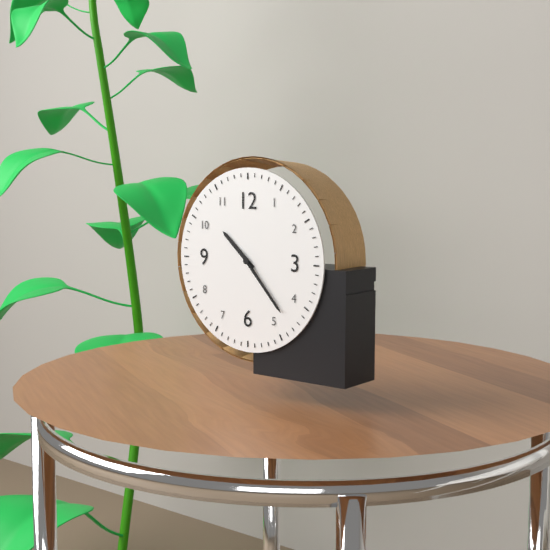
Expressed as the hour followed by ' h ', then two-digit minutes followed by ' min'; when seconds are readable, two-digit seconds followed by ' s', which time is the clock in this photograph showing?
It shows 10 h 23 min
